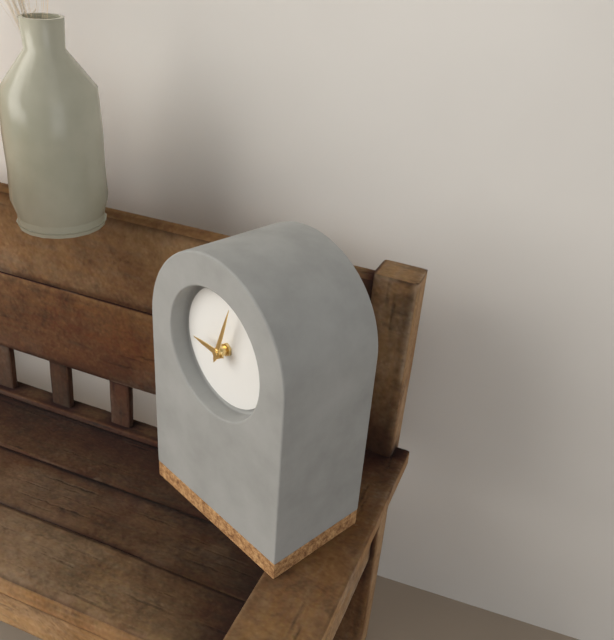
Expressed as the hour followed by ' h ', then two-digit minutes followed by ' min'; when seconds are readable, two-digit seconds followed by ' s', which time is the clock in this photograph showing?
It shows 9 h 03 min
